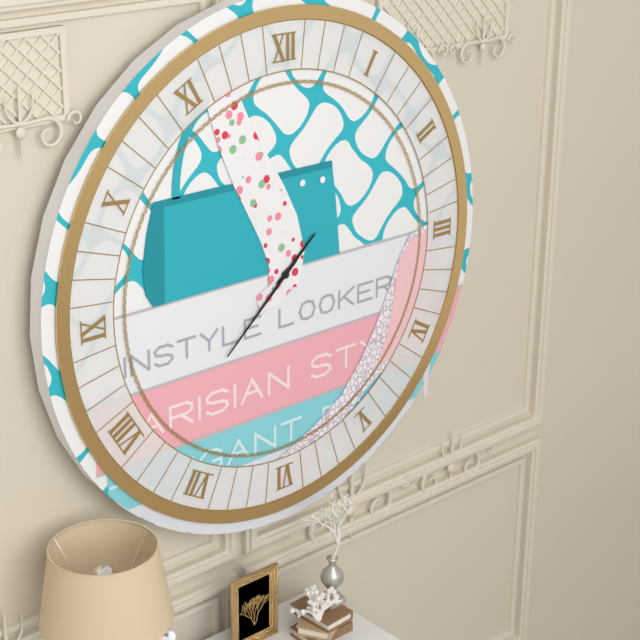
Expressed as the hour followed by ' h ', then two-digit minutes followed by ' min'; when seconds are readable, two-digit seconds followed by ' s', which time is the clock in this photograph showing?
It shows 1 h 38 min
